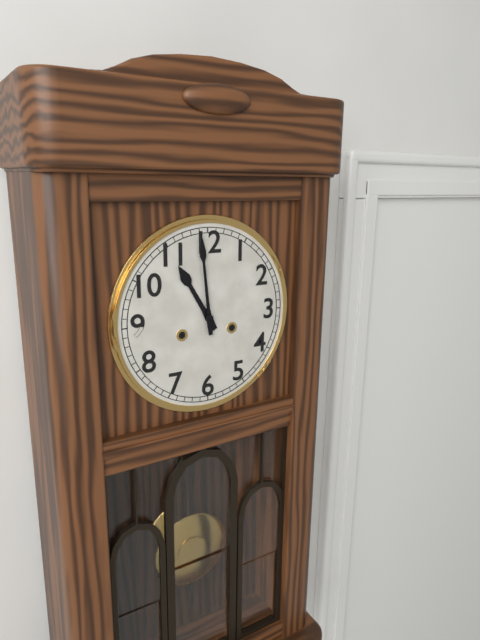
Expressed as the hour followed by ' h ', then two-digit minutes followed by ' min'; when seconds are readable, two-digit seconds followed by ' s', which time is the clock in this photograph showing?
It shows 10 h 59 min
